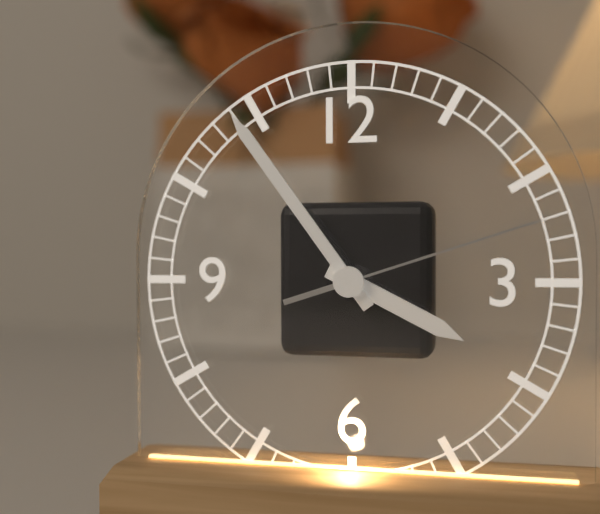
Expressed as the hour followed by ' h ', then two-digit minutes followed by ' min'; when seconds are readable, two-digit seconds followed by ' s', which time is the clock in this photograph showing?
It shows 3 h 54 min 12 s
